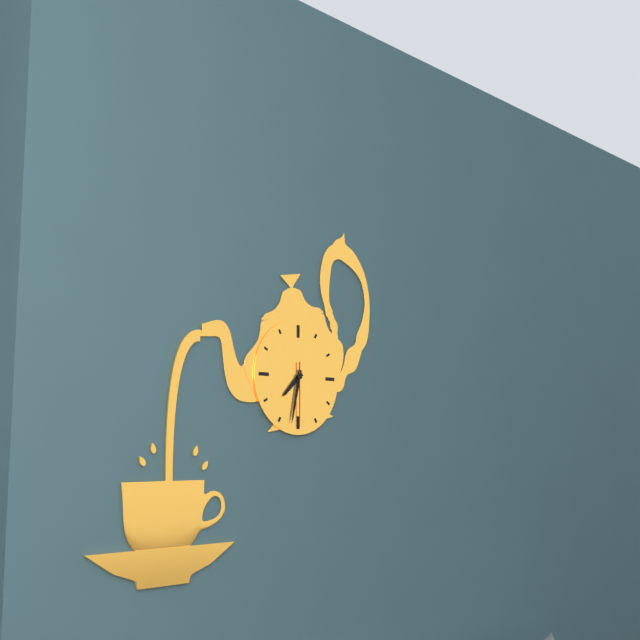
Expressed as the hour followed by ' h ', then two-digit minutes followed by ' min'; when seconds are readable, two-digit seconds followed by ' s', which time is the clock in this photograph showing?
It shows 7 h 32 min 30 s
